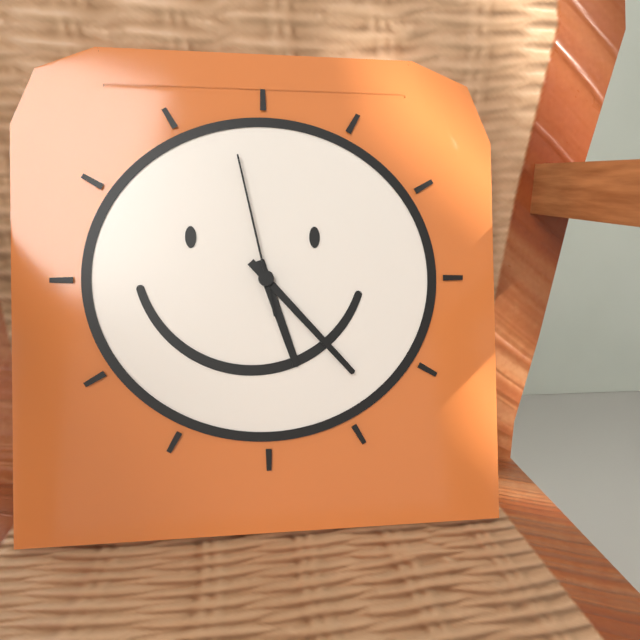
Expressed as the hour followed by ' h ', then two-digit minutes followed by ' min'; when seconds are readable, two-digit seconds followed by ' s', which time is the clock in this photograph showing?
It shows 5 h 23 min 58 s
